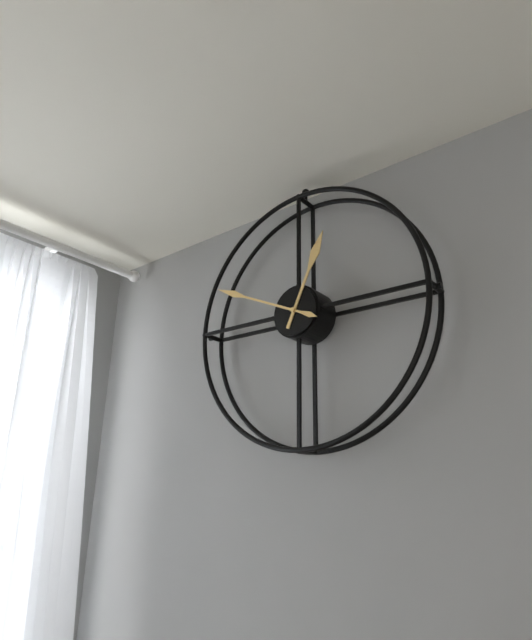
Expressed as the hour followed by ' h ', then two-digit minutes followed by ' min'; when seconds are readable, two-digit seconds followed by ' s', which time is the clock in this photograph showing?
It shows 12 h 49 min
